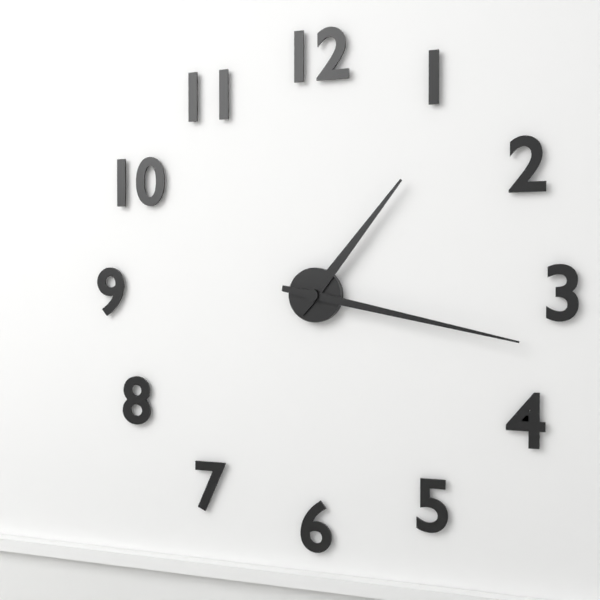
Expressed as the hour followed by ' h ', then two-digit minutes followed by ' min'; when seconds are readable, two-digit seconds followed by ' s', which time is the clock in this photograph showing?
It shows 1 h 17 min
